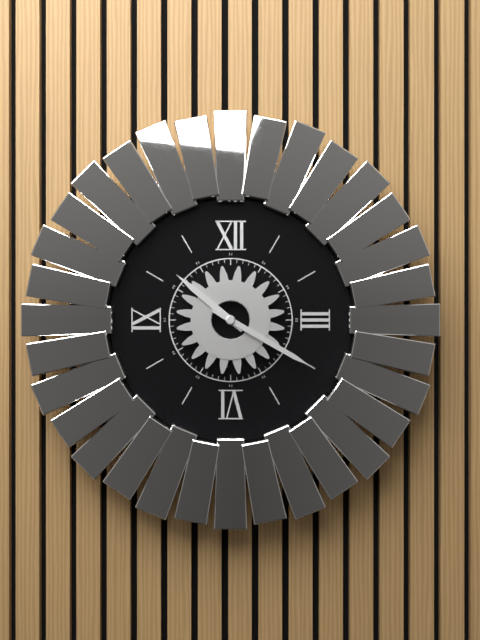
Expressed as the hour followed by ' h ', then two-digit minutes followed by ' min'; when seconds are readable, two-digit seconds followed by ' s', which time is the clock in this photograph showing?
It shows 10 h 20 min
